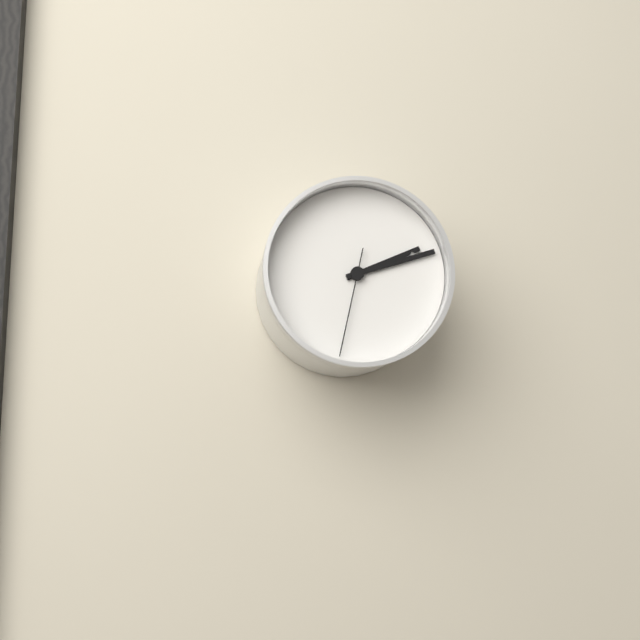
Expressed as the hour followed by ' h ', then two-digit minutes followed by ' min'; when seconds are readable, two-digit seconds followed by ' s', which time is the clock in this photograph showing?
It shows 2 h 12 min 32 s
